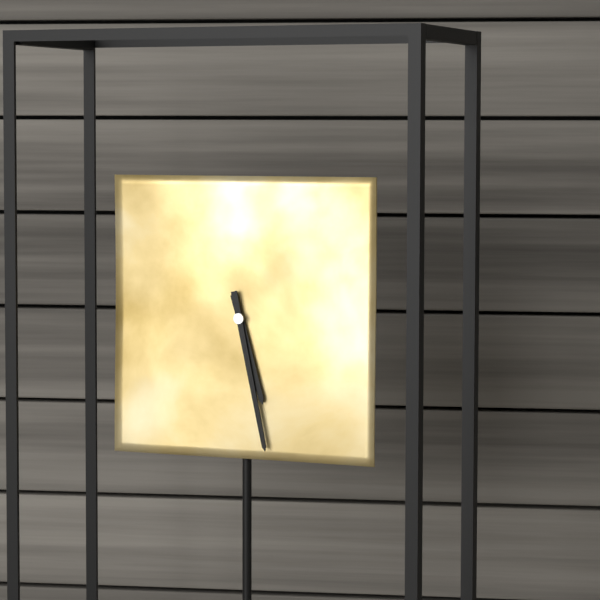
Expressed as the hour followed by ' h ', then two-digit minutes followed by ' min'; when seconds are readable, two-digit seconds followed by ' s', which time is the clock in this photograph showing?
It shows 5 h 28 min
